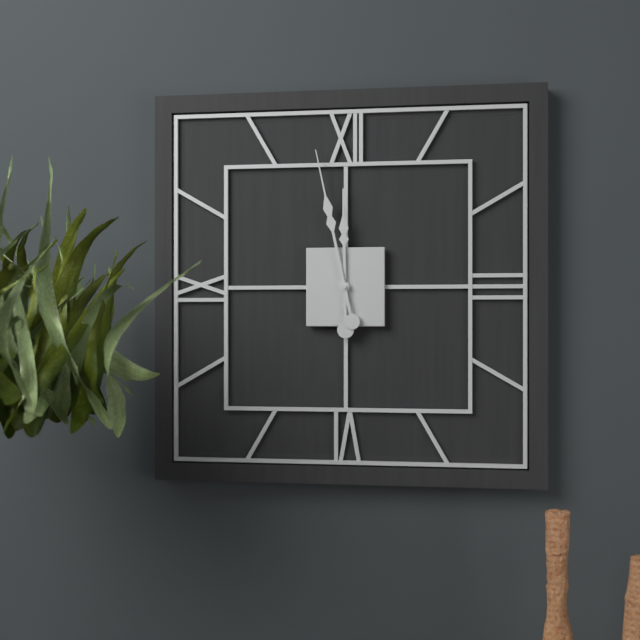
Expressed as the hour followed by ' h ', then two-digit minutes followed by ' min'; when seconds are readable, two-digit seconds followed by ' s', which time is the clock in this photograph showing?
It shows 11 h 58 min
